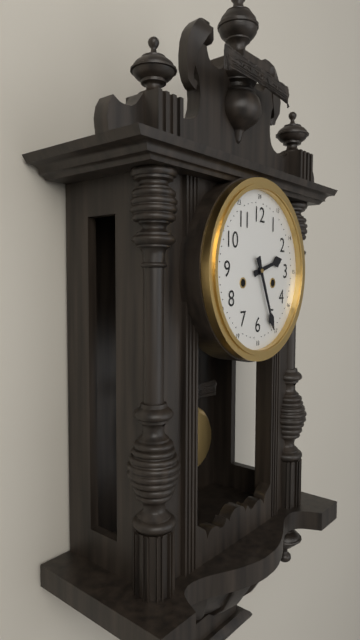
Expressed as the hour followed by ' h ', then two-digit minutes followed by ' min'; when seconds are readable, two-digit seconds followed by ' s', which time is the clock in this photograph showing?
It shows 2 h 26 min
